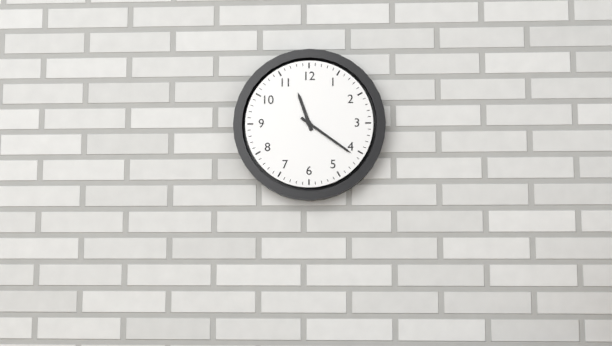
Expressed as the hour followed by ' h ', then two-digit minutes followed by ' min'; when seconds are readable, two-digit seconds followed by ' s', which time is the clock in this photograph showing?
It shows 11 h 21 min
